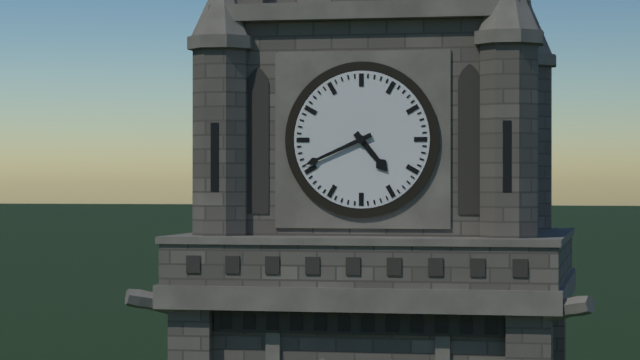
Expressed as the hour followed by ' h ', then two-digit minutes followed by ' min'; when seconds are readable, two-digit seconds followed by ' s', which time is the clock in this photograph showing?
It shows 4 h 41 min
